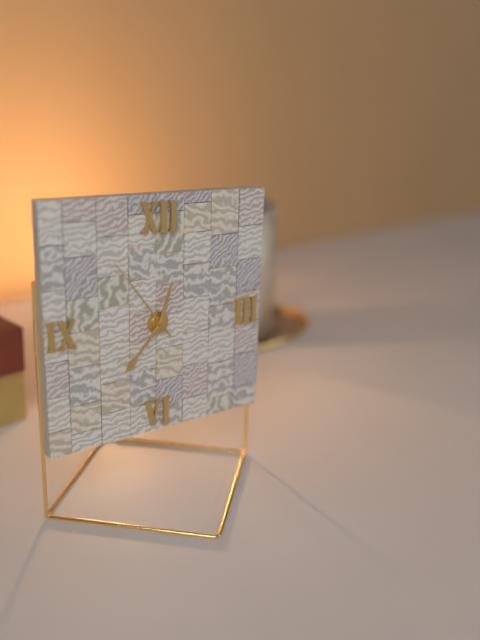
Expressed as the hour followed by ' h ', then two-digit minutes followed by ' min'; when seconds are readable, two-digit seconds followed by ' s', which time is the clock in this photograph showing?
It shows 12 h 37 min 54 s
